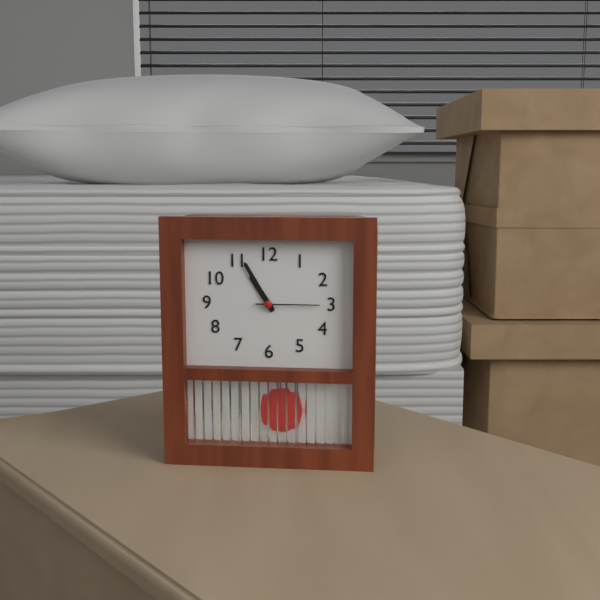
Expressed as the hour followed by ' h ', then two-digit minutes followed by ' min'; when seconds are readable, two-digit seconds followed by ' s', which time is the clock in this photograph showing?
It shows 10 h 55 min 15 s
